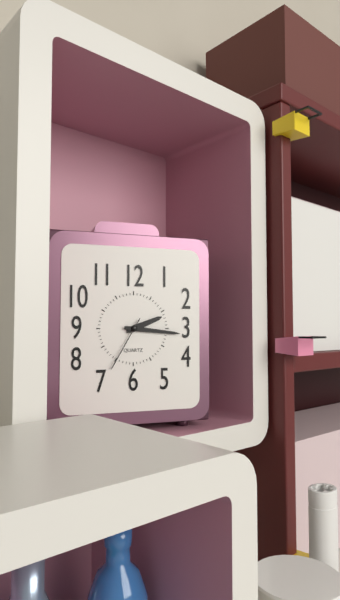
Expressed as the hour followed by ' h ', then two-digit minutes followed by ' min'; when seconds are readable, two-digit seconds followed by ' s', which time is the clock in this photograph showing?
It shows 2 h 16 min 35 s
